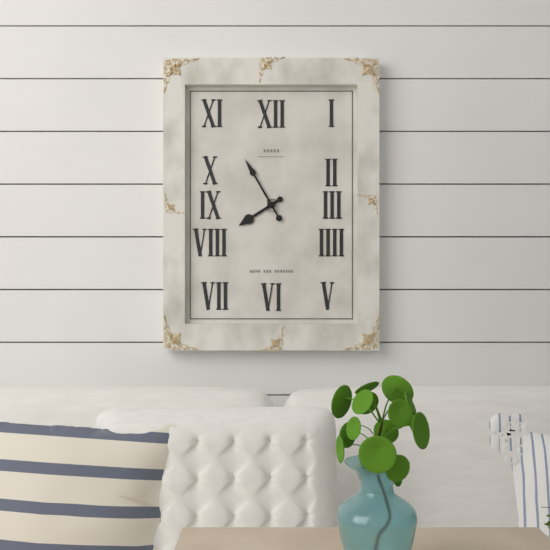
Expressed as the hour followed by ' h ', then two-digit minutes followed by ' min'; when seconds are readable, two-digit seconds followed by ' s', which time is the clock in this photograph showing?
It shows 7 h 55 min
